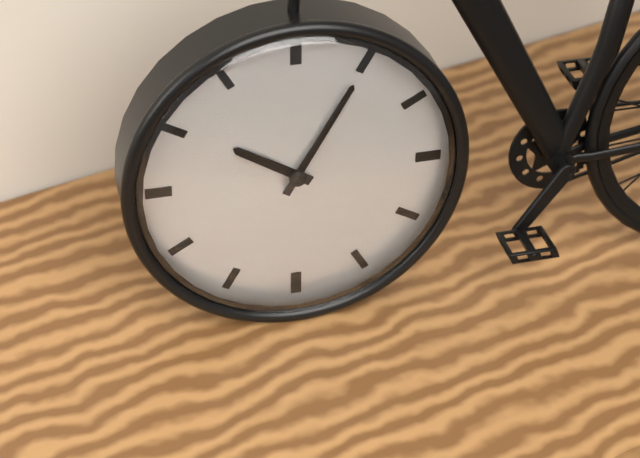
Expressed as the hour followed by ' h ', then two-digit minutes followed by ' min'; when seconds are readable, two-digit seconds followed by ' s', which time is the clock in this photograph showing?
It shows 10 h 05 min
